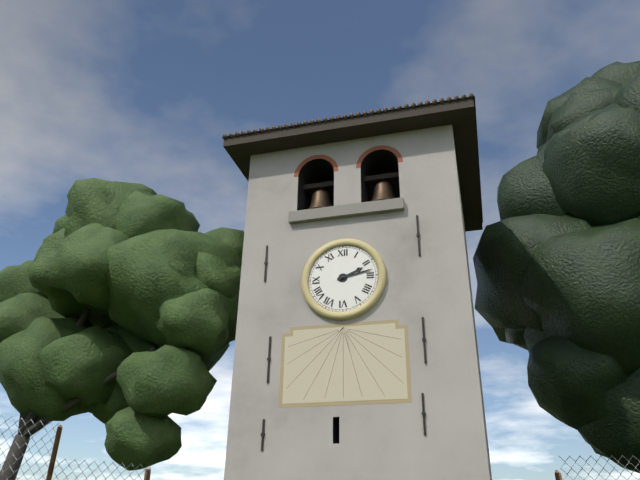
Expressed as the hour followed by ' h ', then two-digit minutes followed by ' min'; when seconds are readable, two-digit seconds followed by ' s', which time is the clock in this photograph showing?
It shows 2 h 13 min
